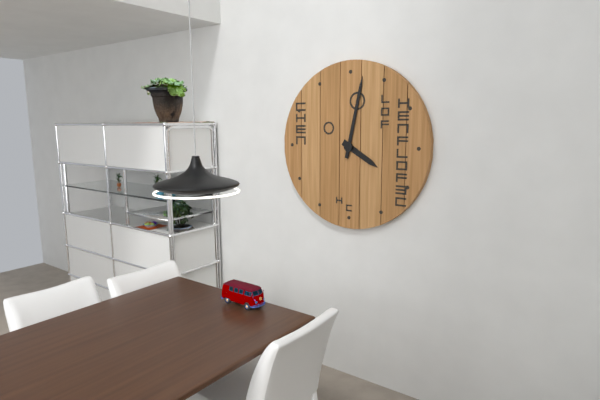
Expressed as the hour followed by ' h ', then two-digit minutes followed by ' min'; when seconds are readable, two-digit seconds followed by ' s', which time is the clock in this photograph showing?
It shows 4 h 02 min
